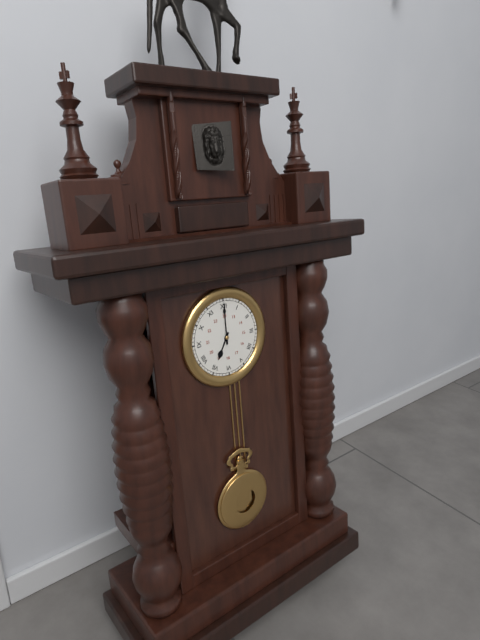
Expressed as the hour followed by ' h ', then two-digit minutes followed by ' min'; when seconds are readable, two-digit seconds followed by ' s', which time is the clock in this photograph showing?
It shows 7 h 00 min
